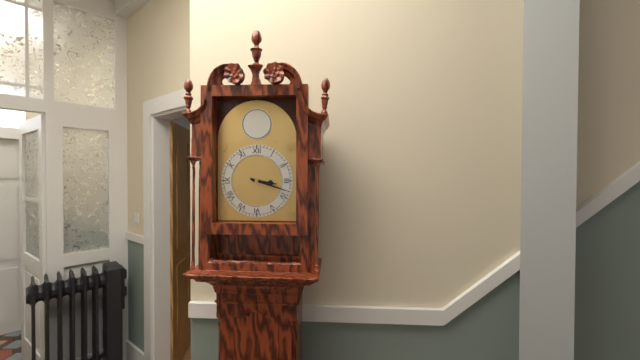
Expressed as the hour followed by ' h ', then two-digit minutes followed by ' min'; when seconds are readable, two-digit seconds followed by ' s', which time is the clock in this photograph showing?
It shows 3 h 18 min
